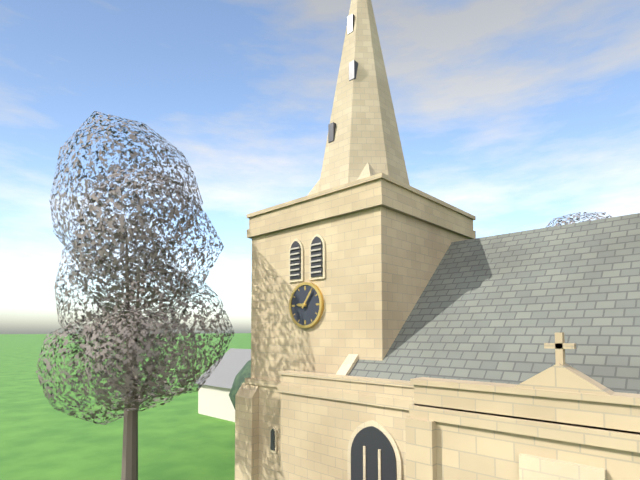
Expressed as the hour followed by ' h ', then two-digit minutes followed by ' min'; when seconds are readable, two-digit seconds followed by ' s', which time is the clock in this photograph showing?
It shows 9 h 06 min
